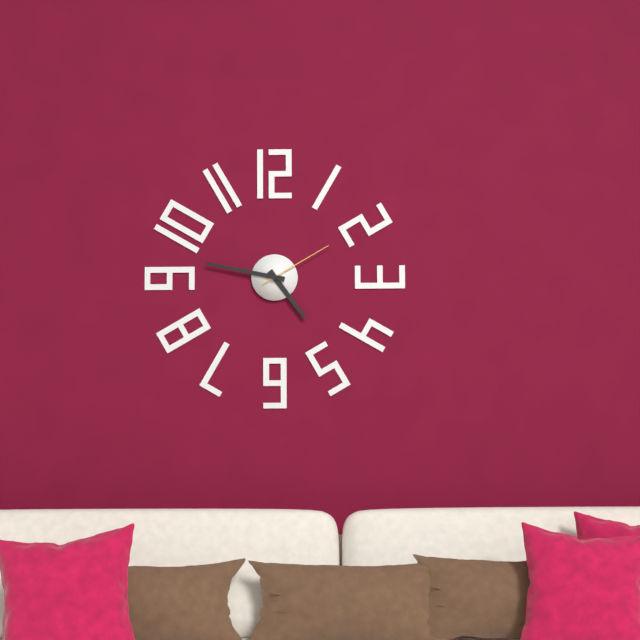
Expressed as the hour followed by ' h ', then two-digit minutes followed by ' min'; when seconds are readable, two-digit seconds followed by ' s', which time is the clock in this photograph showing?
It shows 4 h 47 min 10 s
